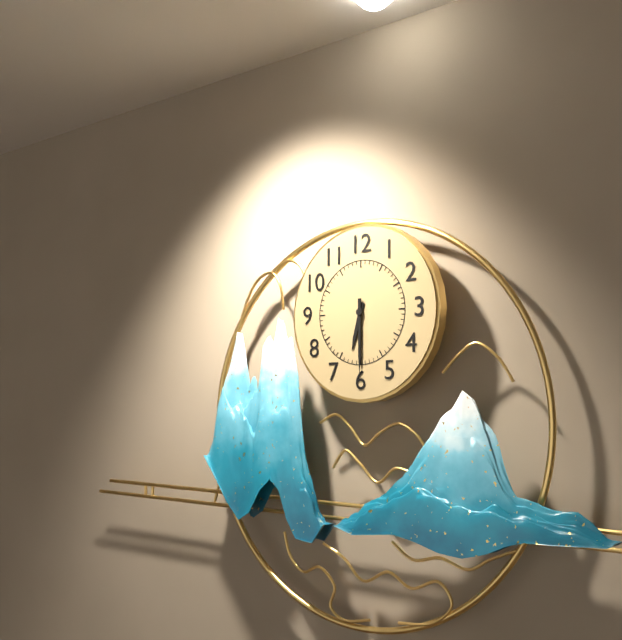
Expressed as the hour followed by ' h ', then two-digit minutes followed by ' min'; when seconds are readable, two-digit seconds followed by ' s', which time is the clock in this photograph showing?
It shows 6 h 30 min
